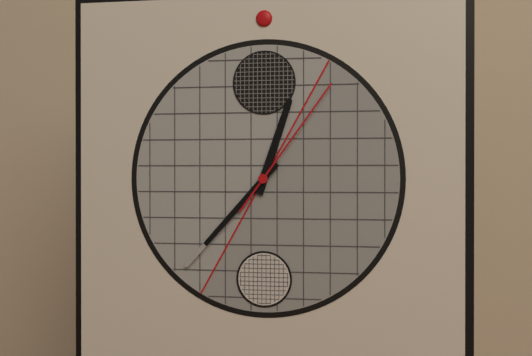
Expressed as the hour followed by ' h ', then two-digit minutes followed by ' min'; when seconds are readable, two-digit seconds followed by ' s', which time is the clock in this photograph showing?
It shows 12 h 37 min 06 s
